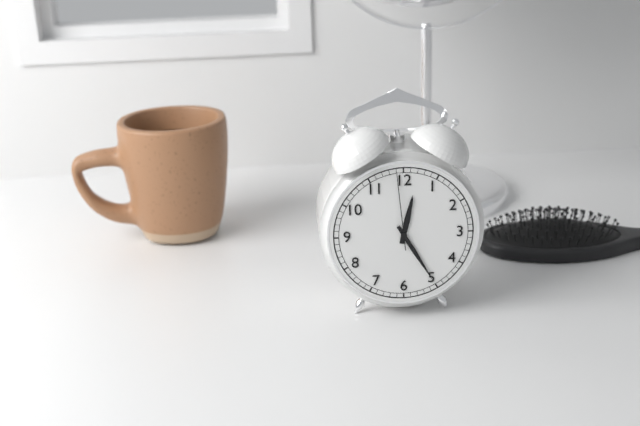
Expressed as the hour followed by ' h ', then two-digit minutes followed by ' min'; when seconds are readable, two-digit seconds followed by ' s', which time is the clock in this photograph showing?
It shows 12 h 25 min 59 s
